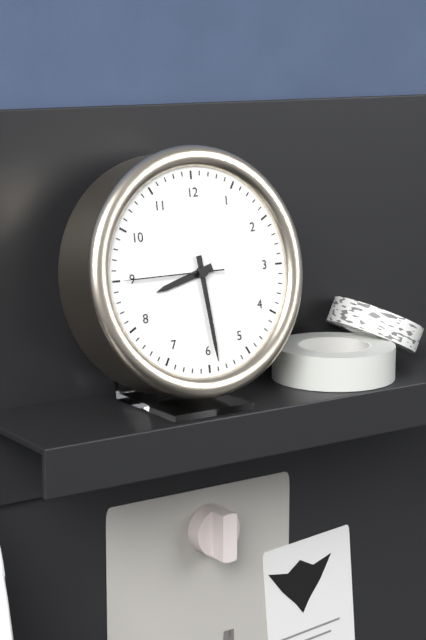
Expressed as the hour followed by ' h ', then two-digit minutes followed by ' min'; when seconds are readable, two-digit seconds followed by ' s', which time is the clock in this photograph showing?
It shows 8 h 29 min 45 s
